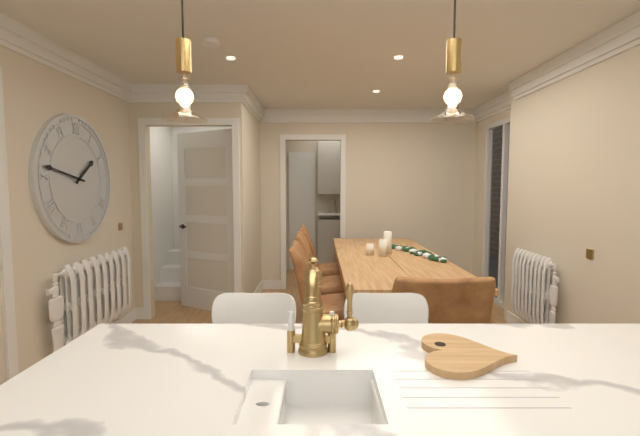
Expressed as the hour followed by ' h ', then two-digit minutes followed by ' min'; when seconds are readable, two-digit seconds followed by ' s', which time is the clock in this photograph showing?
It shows 1 h 47 min
